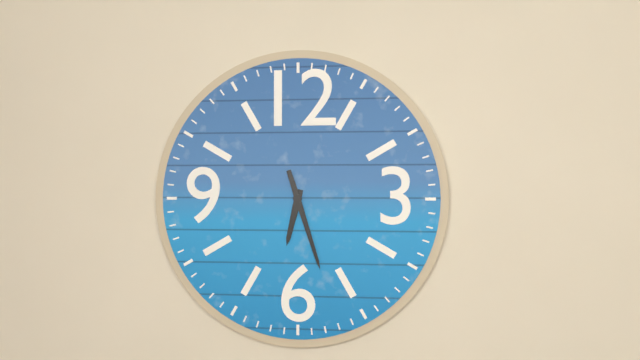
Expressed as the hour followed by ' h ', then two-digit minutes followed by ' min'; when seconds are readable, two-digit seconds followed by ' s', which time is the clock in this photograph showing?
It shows 6 h 27 min
